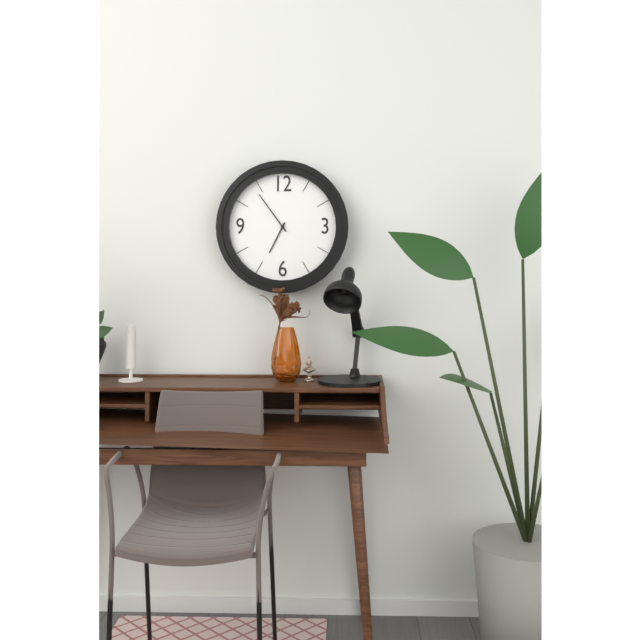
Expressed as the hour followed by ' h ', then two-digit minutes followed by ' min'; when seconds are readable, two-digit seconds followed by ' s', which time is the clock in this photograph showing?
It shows 6 h 54 min
